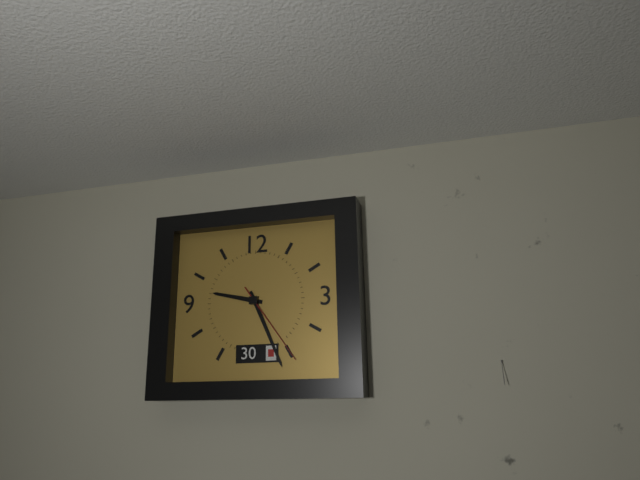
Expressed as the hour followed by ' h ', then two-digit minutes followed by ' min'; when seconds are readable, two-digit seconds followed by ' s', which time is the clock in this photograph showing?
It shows 9 h 26 min 24 s
